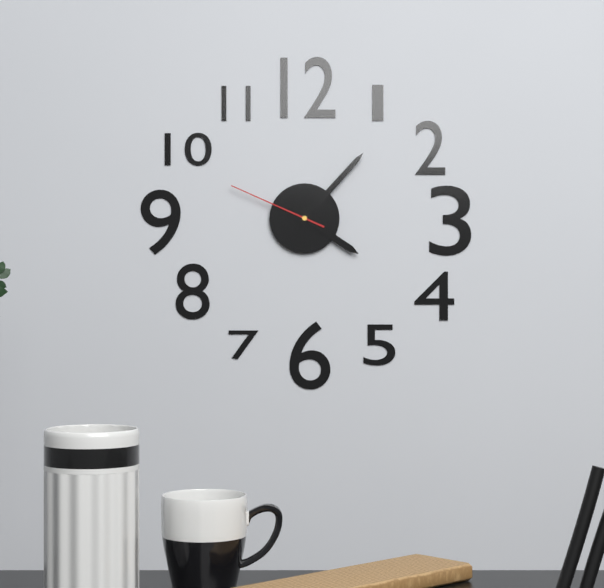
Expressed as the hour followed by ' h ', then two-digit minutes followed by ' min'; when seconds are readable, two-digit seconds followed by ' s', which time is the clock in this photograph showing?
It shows 4 h 07 min 49 s
